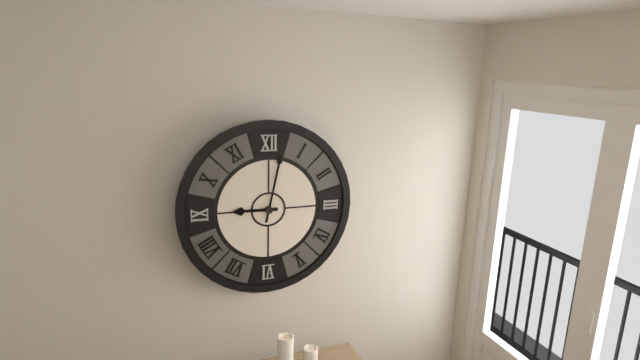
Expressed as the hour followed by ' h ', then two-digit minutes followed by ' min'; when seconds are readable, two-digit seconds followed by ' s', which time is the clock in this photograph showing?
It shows 9 h 02 min
